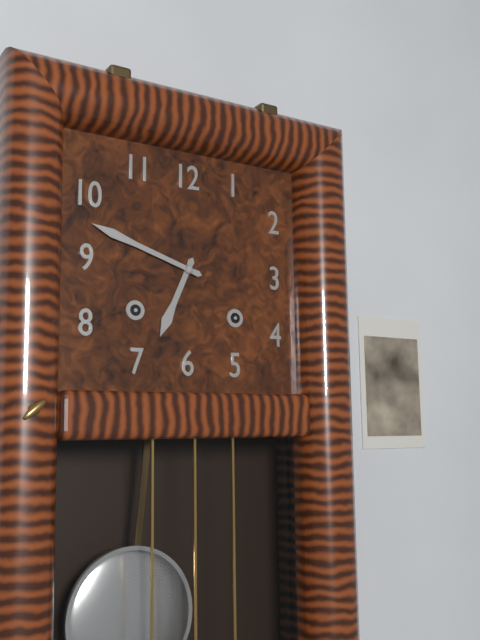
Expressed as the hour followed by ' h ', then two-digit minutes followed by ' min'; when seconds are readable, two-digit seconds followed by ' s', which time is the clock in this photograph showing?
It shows 6 h 48 min
